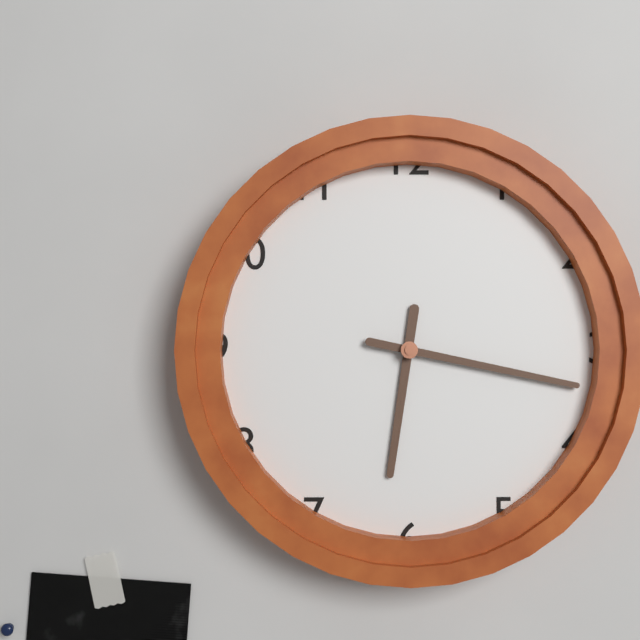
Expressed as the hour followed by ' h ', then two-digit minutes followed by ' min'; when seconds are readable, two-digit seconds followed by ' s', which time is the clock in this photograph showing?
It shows 6 h 17 min
